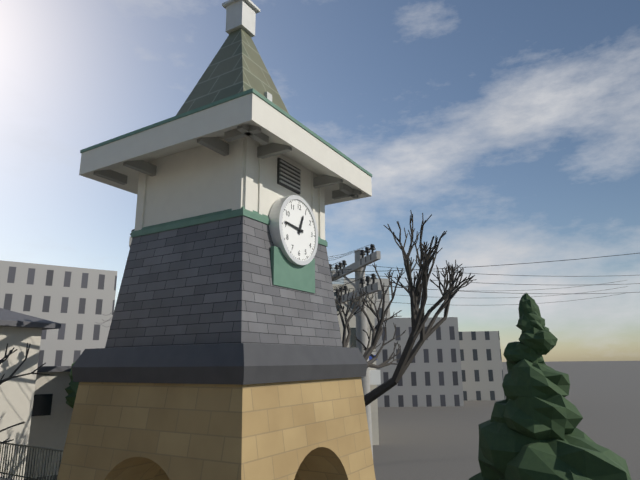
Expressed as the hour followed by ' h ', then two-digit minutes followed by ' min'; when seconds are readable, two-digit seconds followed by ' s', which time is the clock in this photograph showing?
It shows 12 h 46 min
